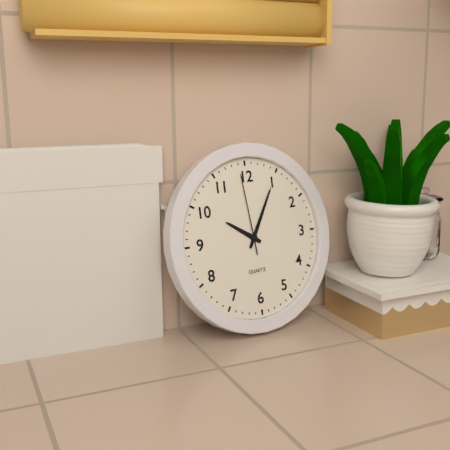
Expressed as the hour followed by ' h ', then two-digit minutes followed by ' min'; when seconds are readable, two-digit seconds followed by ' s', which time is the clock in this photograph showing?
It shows 10 h 05 min 59 s
